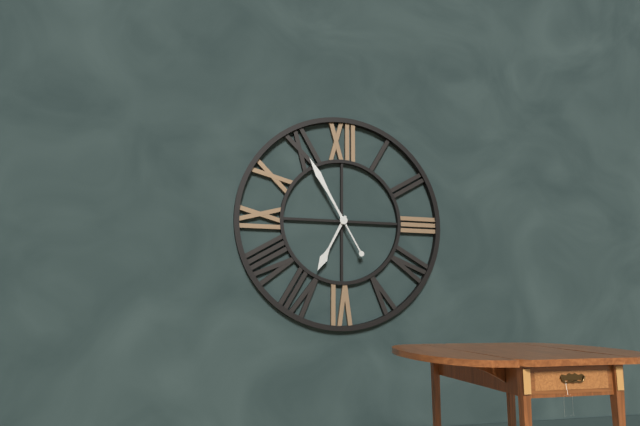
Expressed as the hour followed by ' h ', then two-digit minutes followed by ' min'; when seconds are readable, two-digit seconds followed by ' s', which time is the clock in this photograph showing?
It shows 6 h 55 min
